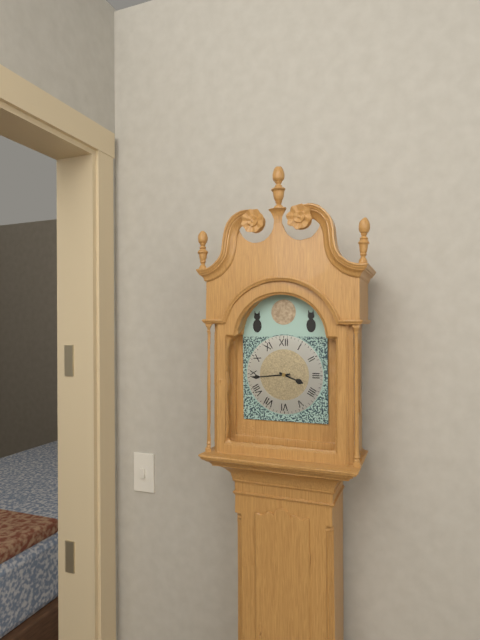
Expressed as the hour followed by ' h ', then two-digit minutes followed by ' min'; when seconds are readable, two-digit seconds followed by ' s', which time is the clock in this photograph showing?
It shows 3 h 44 min
